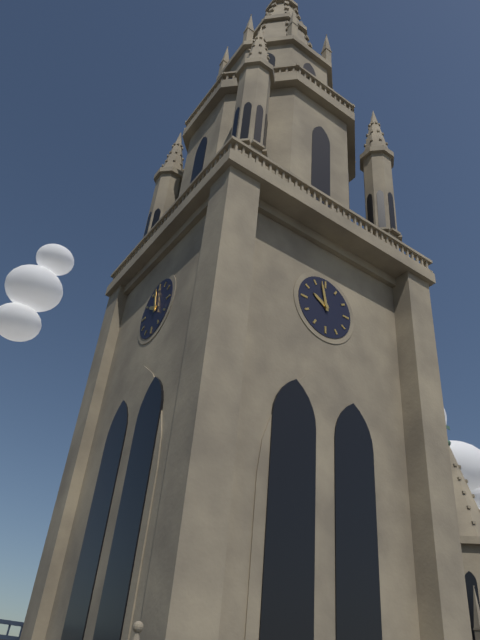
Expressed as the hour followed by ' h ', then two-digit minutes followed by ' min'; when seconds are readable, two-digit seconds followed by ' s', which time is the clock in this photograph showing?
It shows 9 h 58 min
